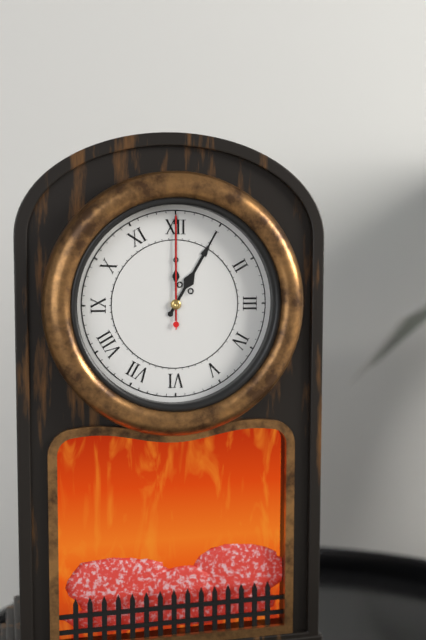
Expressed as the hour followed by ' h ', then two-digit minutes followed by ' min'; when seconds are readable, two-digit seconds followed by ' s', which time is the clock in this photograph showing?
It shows 1 h 00 min 00 s
